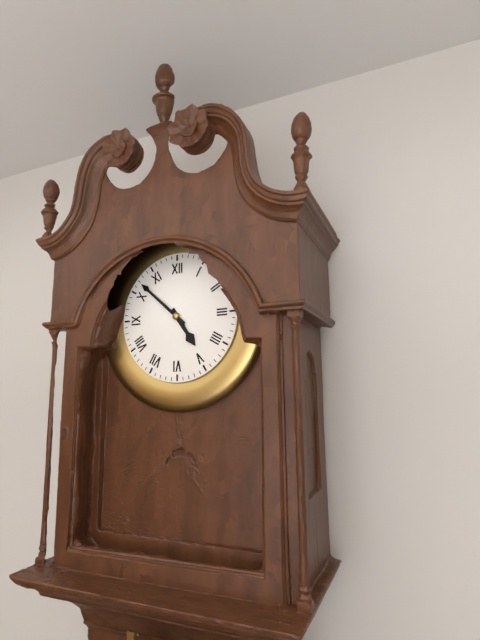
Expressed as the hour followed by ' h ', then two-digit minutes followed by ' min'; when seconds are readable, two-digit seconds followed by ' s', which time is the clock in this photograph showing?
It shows 4 h 52 min
